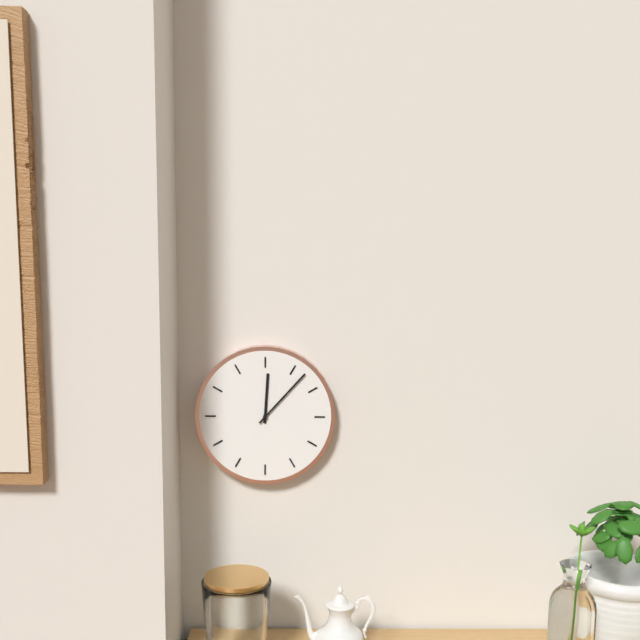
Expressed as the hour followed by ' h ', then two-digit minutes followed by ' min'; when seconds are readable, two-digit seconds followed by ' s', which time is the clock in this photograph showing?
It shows 12 h 07 min
